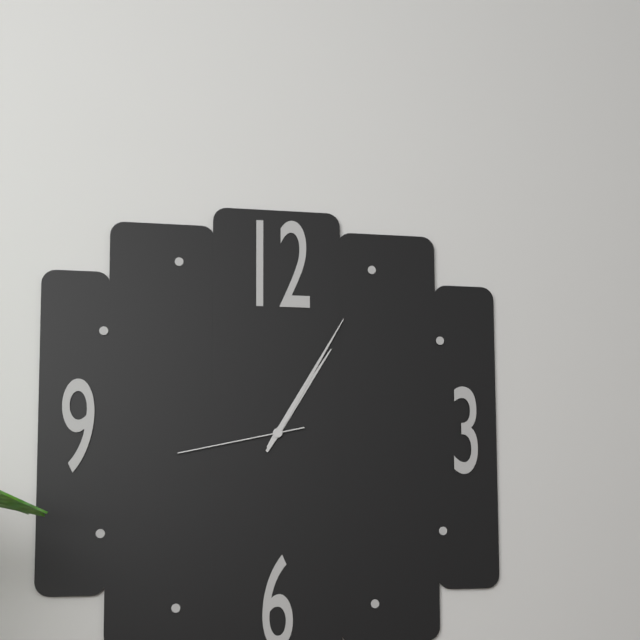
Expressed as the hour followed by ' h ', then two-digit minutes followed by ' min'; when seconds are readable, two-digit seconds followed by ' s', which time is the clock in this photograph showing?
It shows 1 h 05 min 43 s
